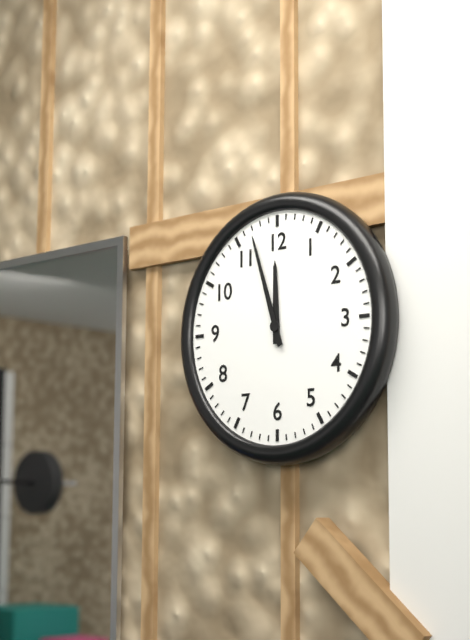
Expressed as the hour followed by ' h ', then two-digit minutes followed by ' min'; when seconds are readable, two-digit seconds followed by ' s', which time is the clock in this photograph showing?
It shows 11 h 57 min
